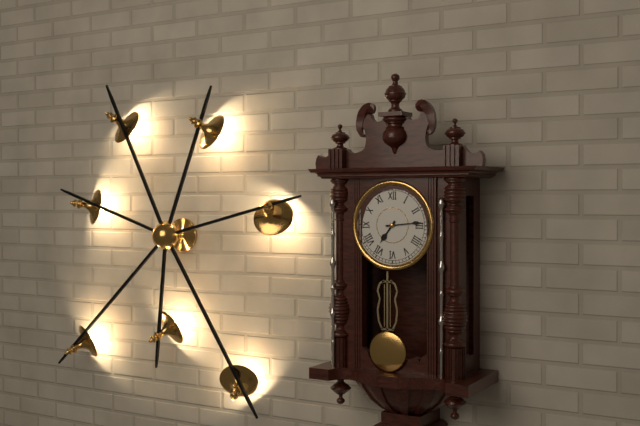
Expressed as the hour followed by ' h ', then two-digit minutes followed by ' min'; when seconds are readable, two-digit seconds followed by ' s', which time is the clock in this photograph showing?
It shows 7 h 14 min
